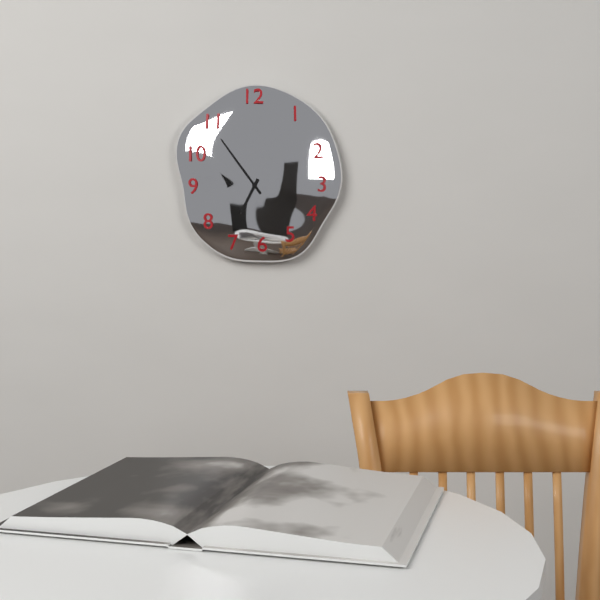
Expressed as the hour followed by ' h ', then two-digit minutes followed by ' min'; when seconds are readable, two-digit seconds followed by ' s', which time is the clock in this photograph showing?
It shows 6 h 54 min
